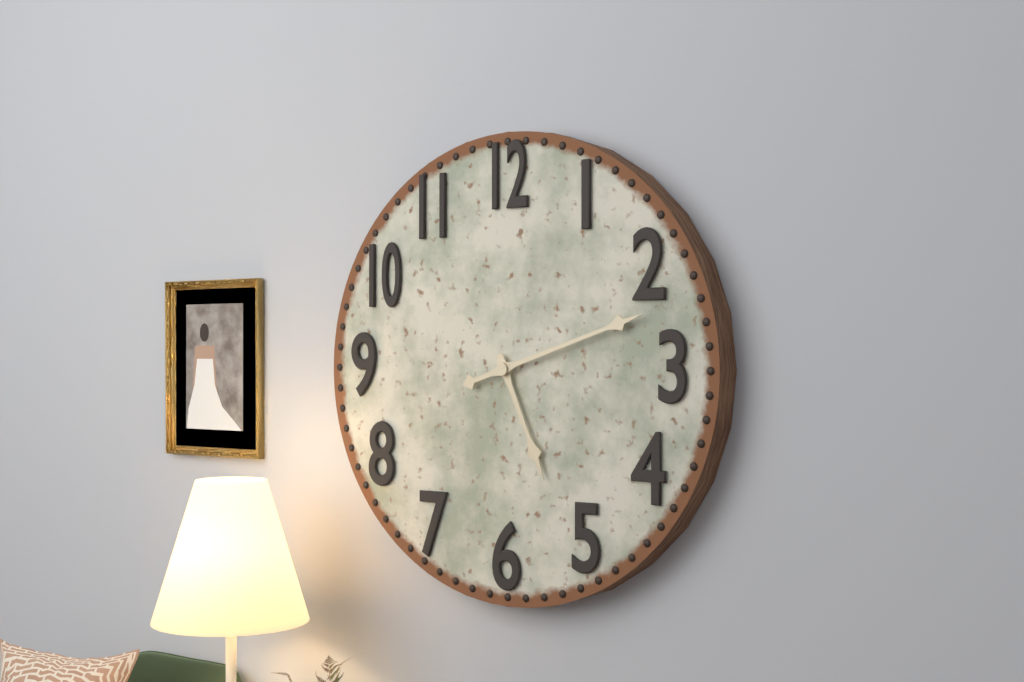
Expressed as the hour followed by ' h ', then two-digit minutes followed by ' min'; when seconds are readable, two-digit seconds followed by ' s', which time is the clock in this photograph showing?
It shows 5 h 12 min
